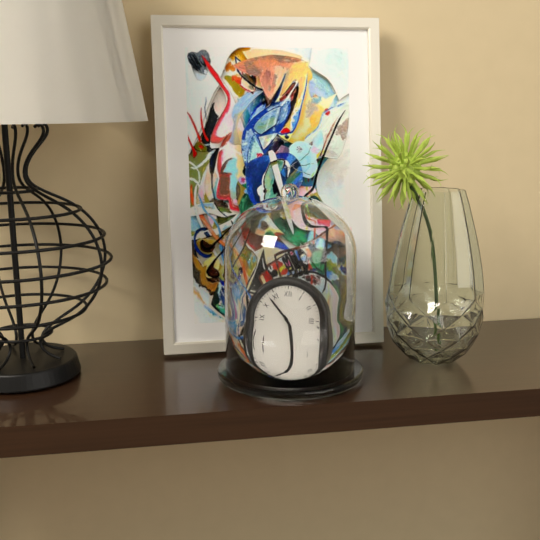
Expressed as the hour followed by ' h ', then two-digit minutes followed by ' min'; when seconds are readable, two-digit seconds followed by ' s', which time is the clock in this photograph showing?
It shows 4 h 53 min
